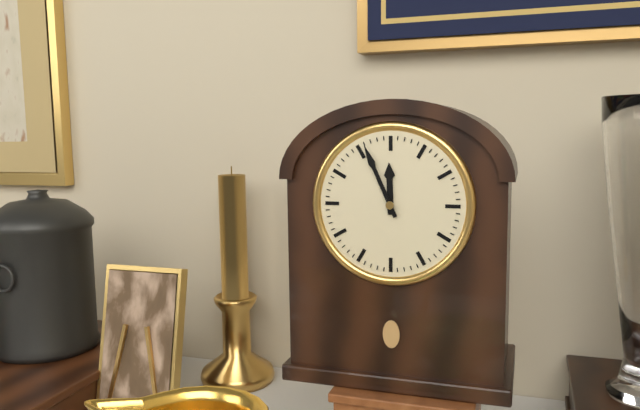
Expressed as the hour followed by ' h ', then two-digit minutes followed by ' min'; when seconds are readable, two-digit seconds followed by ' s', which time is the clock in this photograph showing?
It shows 11 h 56 min
